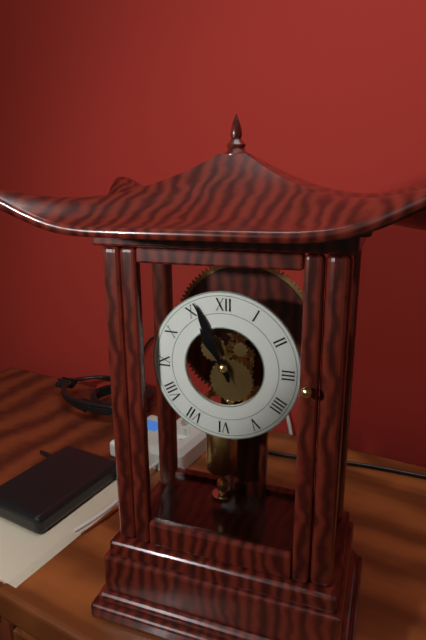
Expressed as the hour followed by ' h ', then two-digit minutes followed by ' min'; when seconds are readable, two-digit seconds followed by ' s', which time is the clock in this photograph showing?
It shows 10 h 56 min
